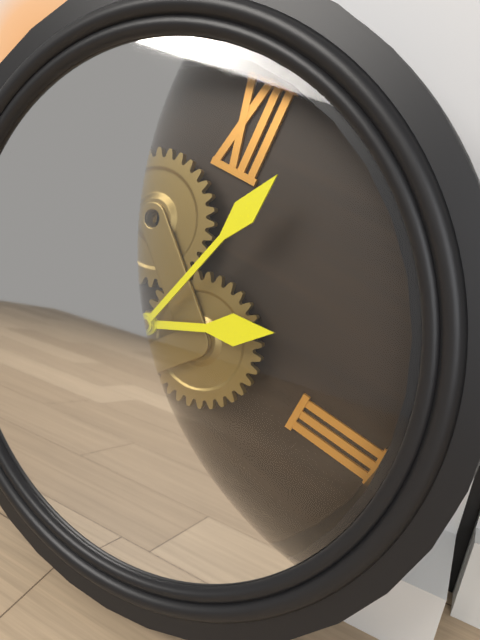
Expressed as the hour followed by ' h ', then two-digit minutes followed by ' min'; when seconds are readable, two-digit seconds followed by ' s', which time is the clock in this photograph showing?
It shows 2 h 03 min
